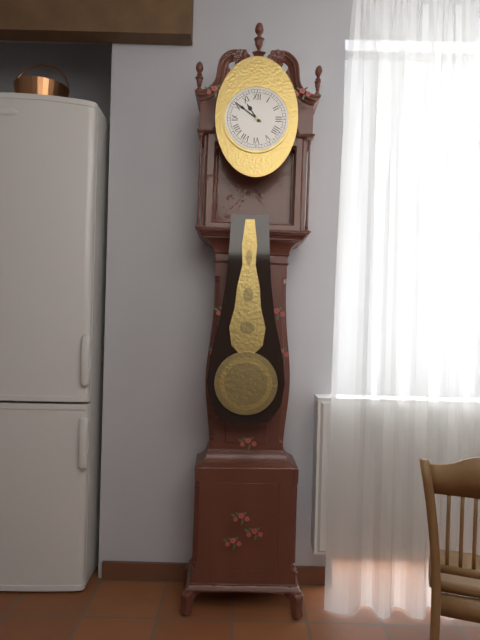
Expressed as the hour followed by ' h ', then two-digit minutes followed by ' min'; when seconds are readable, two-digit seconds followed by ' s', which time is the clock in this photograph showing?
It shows 10 h 51 min
